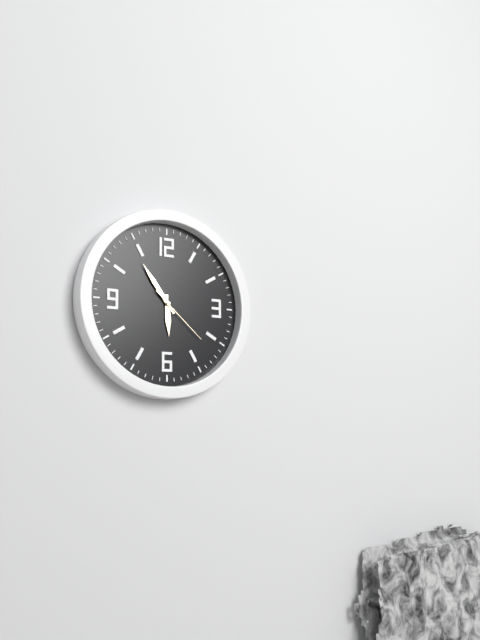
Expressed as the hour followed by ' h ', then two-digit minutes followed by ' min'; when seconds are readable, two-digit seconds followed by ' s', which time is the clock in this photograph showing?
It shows 5 h 54 min 22 s
